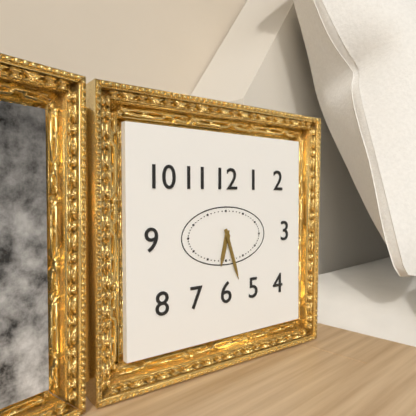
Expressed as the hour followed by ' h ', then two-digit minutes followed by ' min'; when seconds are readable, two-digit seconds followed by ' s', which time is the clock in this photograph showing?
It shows 6 h 27 min
